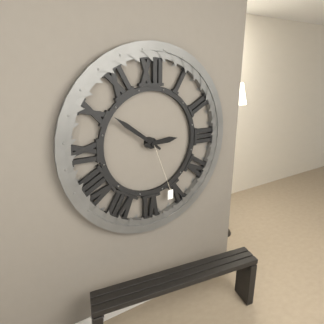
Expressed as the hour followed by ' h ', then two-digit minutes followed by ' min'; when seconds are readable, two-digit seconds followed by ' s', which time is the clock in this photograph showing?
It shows 2 h 51 min
